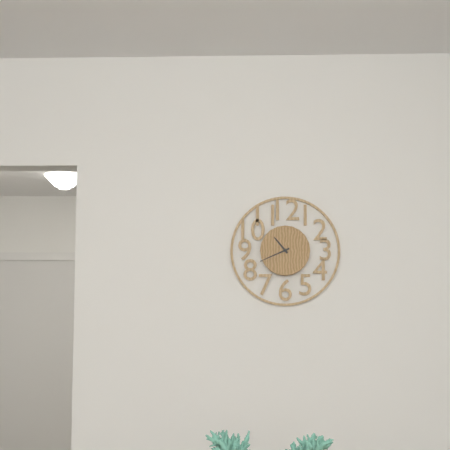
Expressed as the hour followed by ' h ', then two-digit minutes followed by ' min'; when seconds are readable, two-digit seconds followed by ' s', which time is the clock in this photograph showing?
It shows 10 h 41 min
